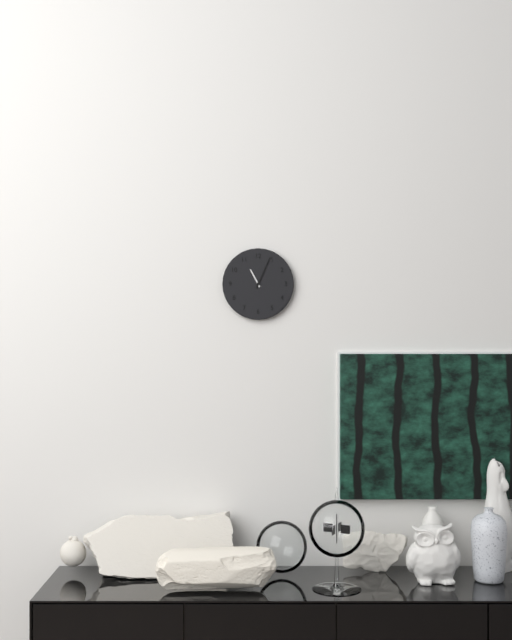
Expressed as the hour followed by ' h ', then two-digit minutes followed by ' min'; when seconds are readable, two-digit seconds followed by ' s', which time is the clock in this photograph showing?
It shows 11 h 04 min
